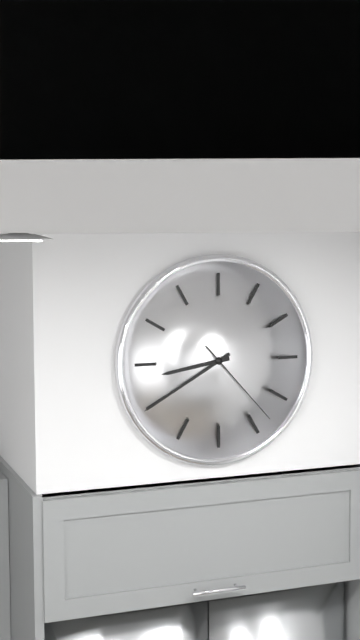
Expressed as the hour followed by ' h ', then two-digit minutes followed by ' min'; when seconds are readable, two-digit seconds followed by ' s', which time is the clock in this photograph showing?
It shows 8 h 40 min 23 s
